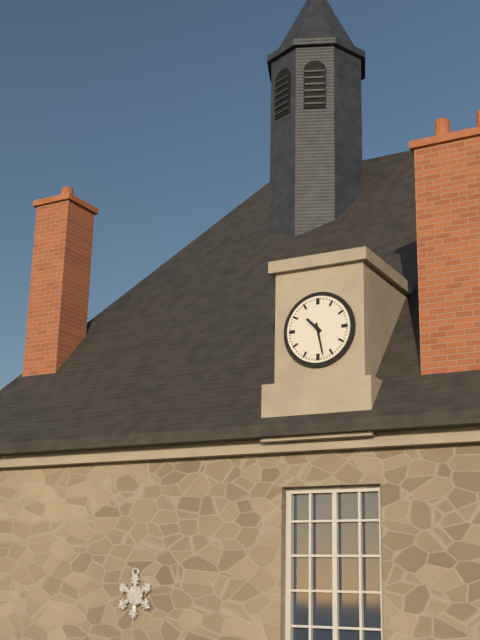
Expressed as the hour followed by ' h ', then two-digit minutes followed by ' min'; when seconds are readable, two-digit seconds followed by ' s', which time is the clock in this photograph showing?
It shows 10 h 28 min
